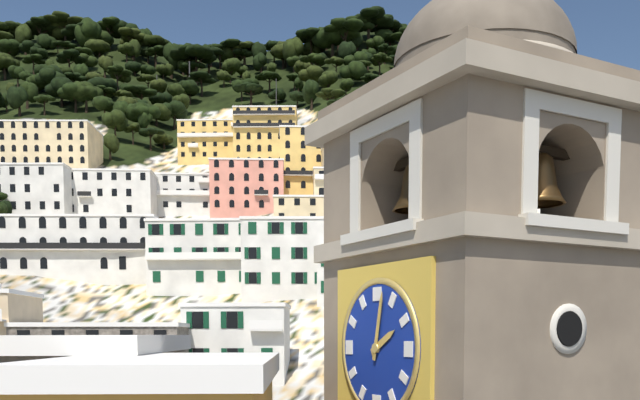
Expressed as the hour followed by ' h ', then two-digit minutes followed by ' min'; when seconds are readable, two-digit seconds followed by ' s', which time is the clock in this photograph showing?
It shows 2 h 02 min
